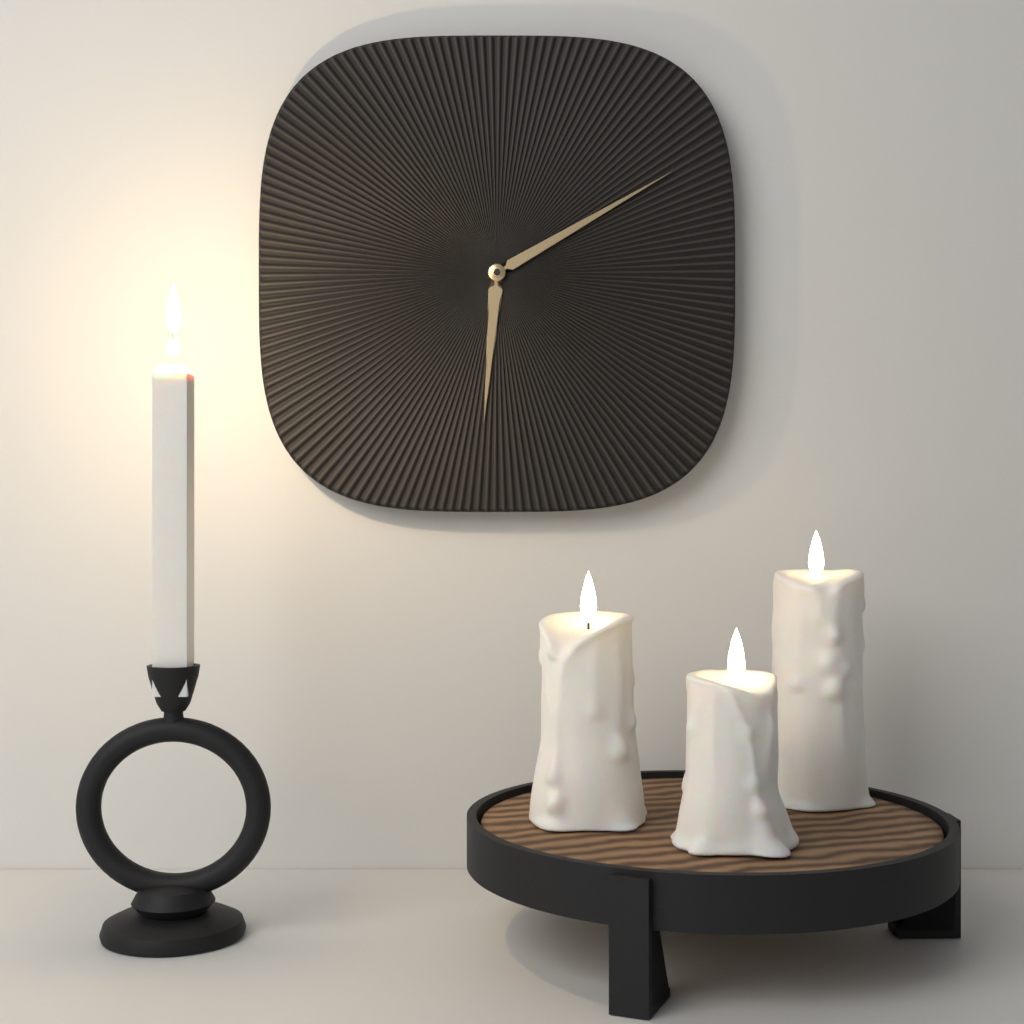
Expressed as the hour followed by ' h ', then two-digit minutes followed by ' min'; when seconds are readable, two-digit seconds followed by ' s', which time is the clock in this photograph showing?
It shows 6 h 10 min
